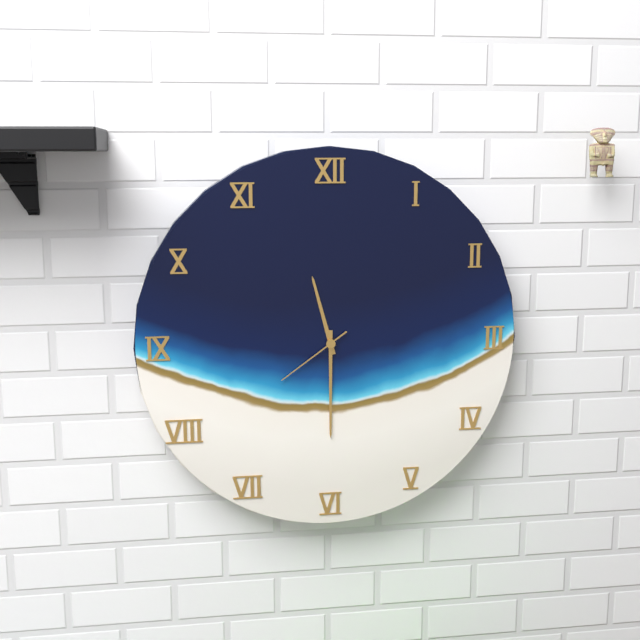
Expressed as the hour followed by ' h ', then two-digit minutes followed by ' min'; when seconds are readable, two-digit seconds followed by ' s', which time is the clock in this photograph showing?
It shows 11 h 30 min 39 s
